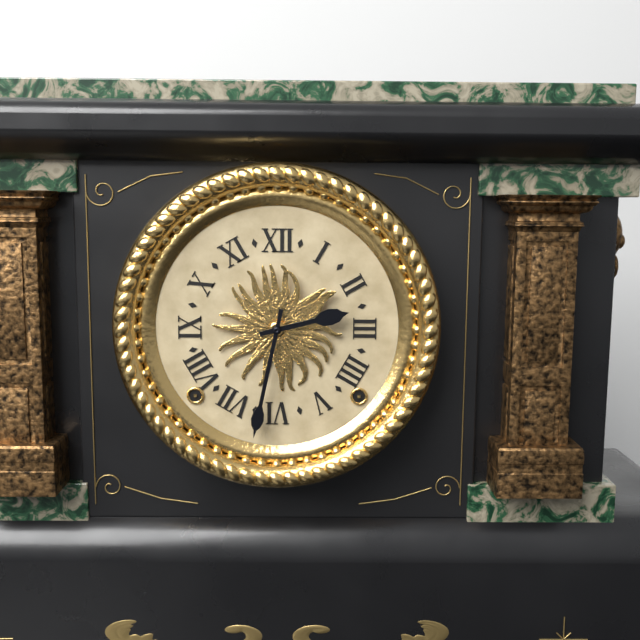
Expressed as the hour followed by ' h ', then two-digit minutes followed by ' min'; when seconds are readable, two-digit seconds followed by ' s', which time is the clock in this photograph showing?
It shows 2 h 32 min
